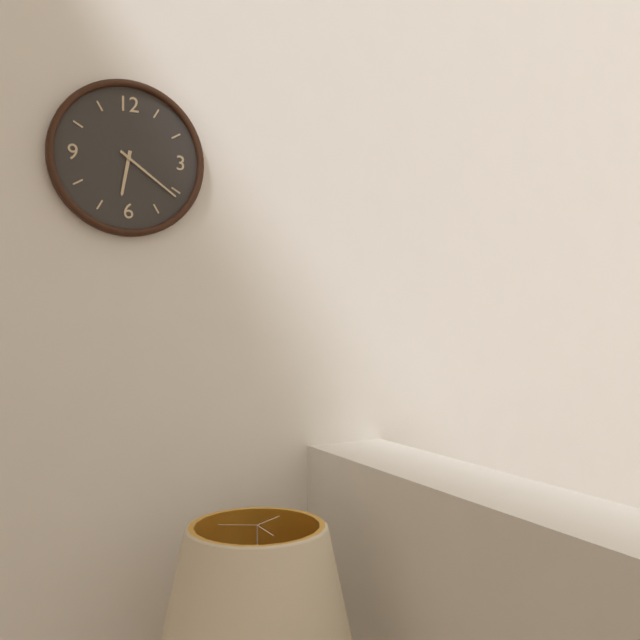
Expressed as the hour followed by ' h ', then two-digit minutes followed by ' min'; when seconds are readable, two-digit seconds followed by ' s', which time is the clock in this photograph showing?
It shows 6 h 21 min
